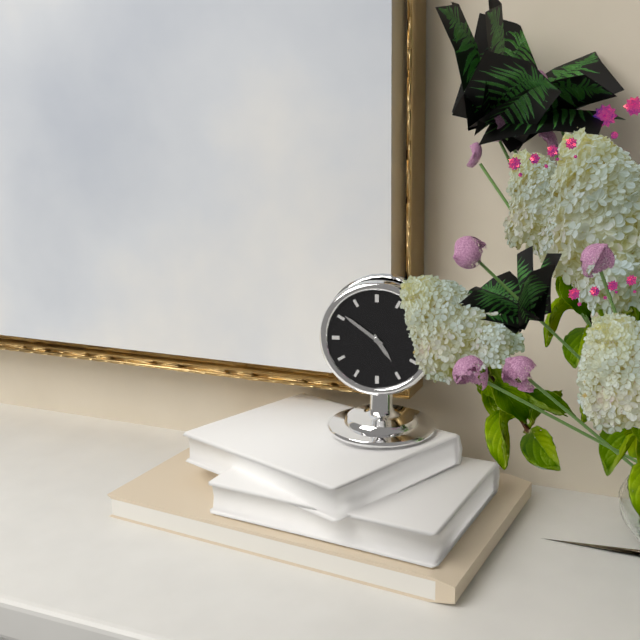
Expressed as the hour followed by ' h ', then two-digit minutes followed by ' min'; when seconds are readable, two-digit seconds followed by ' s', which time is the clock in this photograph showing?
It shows 4 h 51 min
